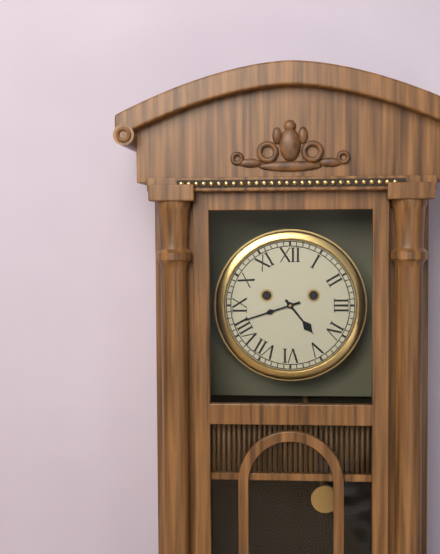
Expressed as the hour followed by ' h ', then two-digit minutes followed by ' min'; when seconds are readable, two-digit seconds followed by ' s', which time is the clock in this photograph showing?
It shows 4 h 42 min
